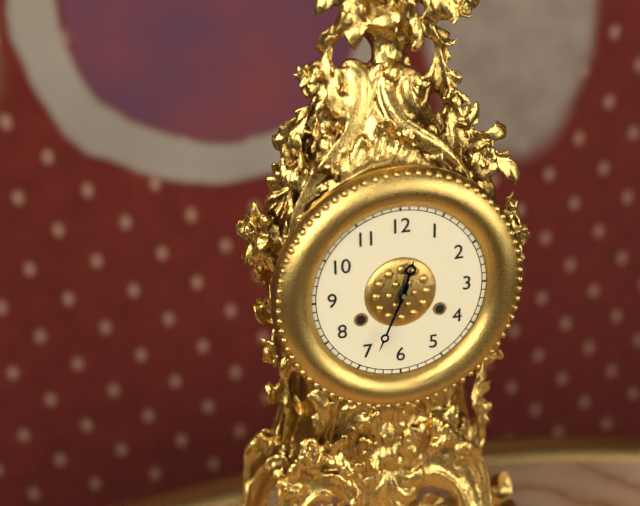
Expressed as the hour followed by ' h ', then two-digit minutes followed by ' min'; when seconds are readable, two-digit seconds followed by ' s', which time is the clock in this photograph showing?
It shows 12 h 34 min
